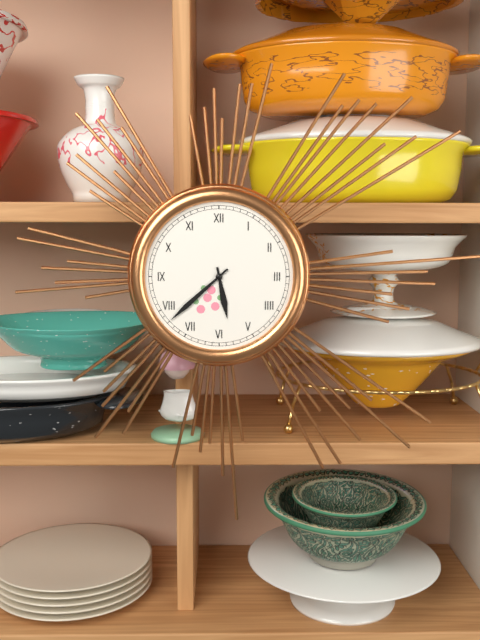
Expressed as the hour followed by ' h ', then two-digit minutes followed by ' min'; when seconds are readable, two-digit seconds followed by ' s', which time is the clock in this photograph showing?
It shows 5 h 38 min
